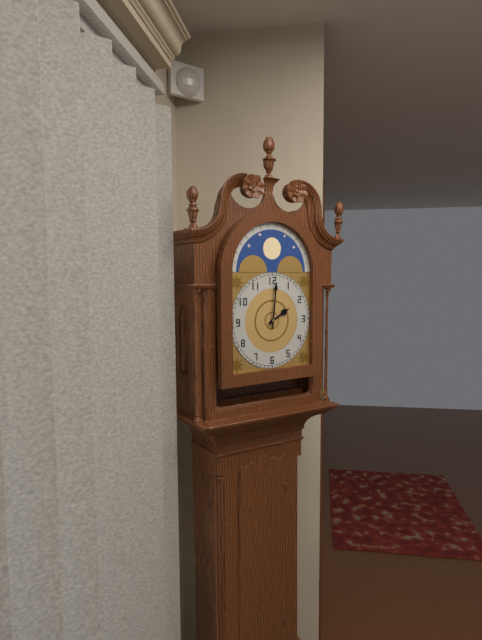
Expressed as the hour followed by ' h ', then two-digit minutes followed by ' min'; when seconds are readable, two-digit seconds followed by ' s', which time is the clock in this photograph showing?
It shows 2 h 01 min
